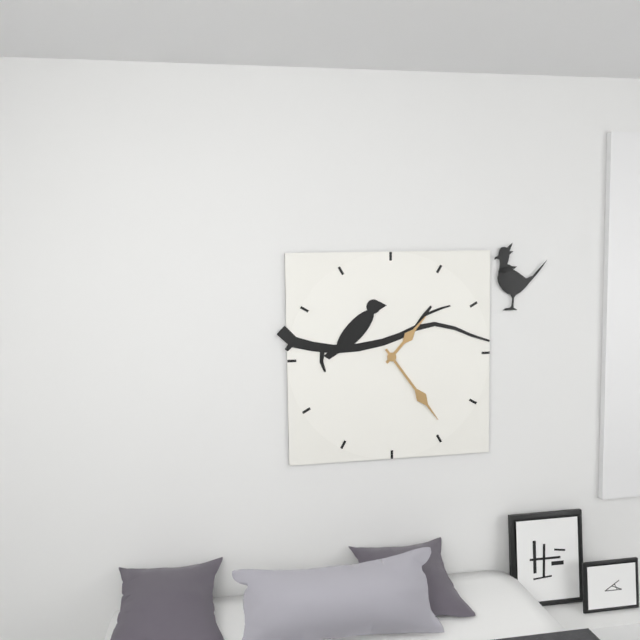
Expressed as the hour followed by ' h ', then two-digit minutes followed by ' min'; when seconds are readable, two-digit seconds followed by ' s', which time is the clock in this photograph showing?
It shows 1 h 24 min
